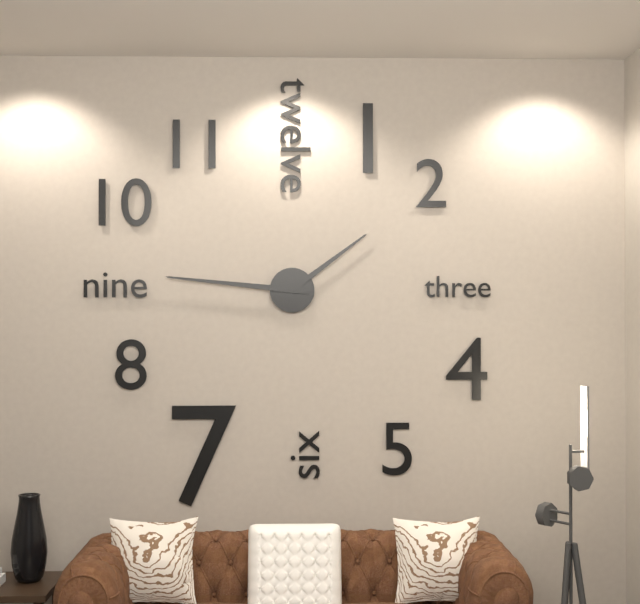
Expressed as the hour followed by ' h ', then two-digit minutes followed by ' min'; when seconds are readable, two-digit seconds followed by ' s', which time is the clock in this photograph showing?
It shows 1 h 46 min
